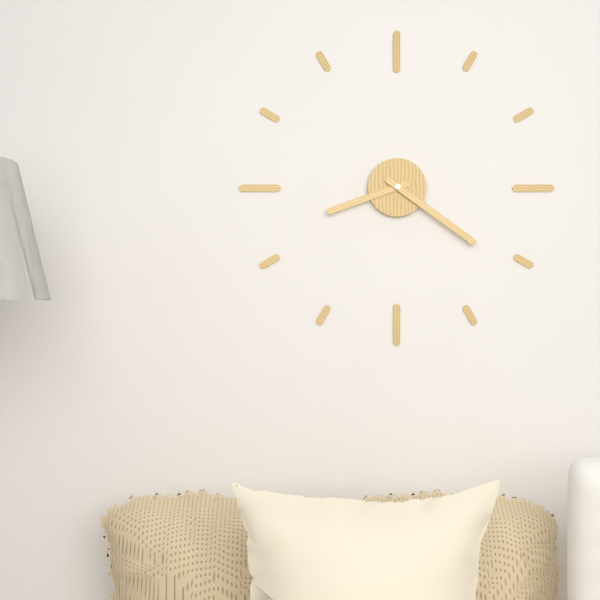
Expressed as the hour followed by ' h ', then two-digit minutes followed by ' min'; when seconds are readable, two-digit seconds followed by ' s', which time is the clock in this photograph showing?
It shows 8 h 21 min
